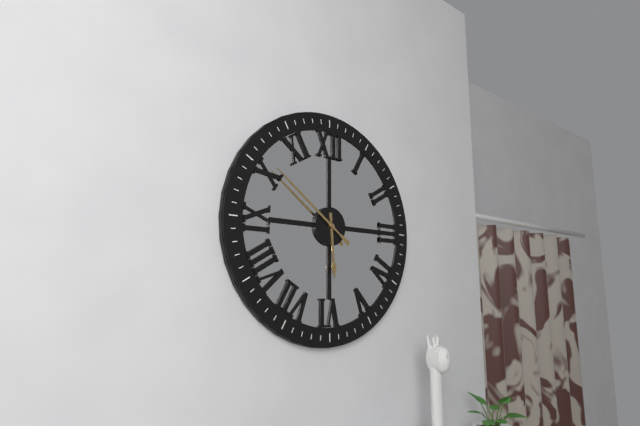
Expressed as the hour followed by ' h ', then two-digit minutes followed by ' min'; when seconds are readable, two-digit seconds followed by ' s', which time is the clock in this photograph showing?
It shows 5 h 51 min
